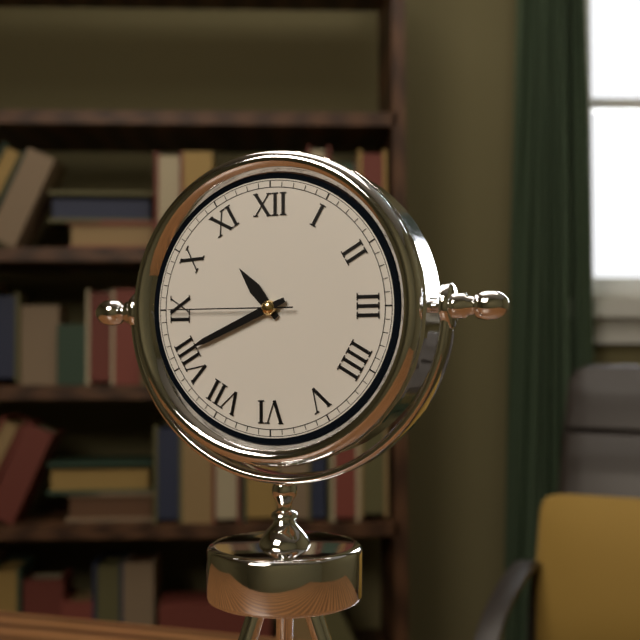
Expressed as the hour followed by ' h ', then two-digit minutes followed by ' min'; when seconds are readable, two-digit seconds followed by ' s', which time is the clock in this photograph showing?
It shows 10 h 41 min 45 s
